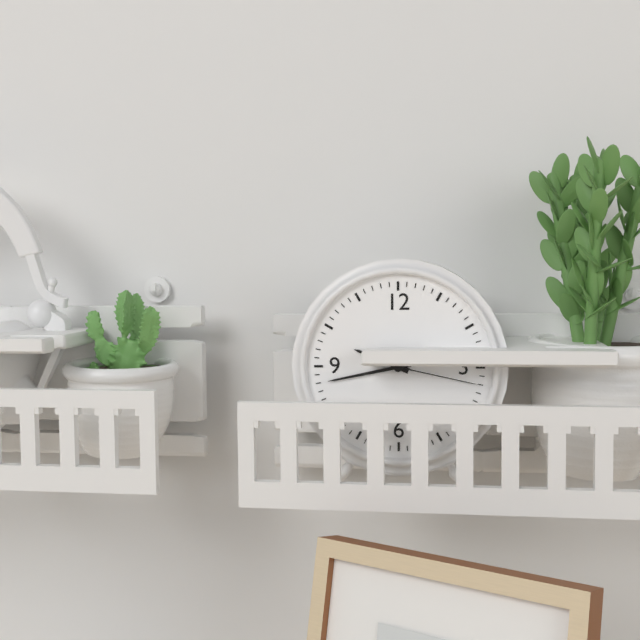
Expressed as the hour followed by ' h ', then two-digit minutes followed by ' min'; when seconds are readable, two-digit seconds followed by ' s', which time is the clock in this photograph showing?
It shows 9 h 43 min 17 s
